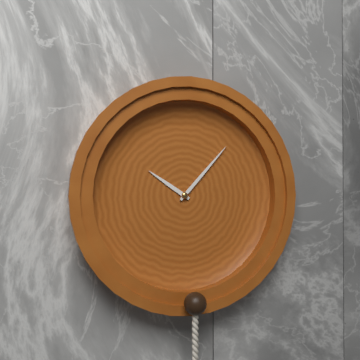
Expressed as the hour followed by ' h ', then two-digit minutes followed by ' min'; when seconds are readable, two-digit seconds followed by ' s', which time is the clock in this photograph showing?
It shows 10 h 07 min
